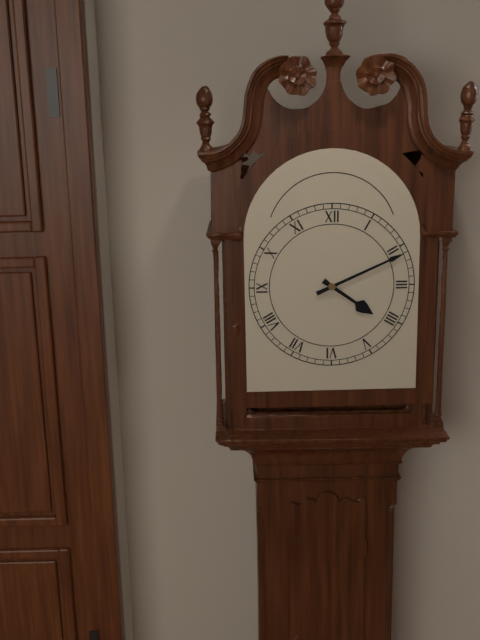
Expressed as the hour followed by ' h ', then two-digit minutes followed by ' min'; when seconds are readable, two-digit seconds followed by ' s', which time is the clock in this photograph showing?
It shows 4 h 11 min
